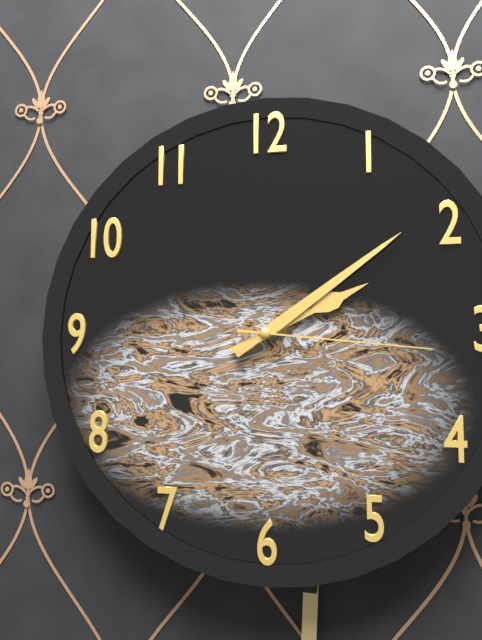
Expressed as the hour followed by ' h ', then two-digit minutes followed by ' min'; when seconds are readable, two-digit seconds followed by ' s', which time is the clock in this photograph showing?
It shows 2 h 09 min 16 s
